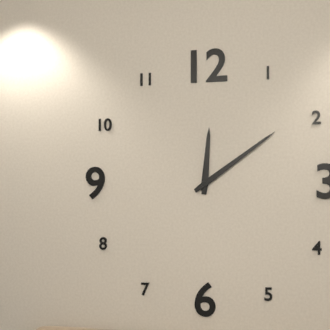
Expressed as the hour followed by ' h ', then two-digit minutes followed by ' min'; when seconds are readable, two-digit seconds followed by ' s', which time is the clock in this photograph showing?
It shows 12 h 09 min
